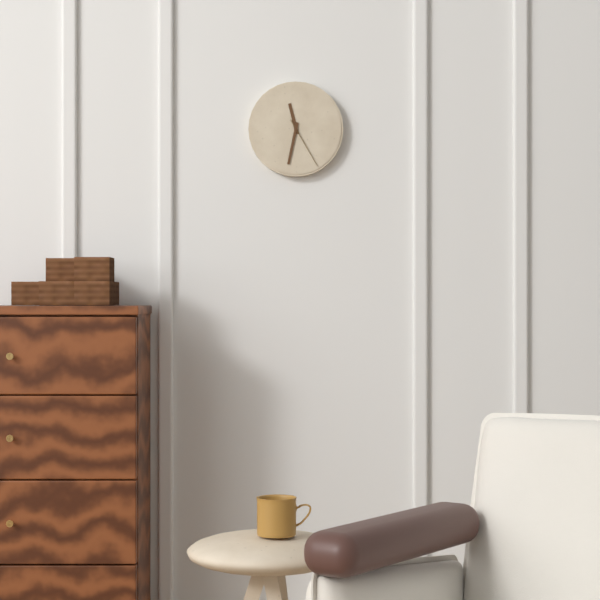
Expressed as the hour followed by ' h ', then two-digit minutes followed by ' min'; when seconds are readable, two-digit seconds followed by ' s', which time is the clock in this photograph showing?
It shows 11 h 32 min 25 s
